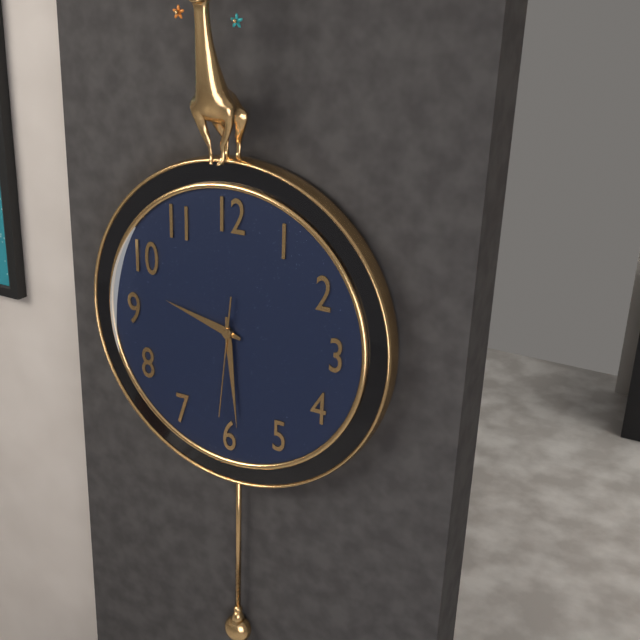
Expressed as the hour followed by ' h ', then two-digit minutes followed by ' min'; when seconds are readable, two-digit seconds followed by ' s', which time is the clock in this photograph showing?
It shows 9 h 29 min 31 s
